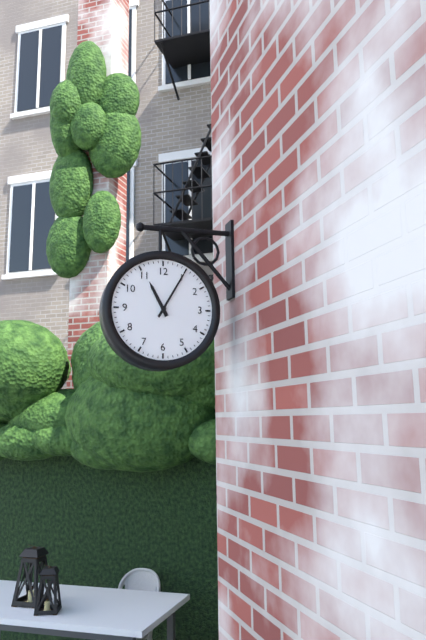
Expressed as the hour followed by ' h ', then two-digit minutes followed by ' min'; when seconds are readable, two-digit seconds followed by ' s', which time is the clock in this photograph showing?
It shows 11 h 05 min
